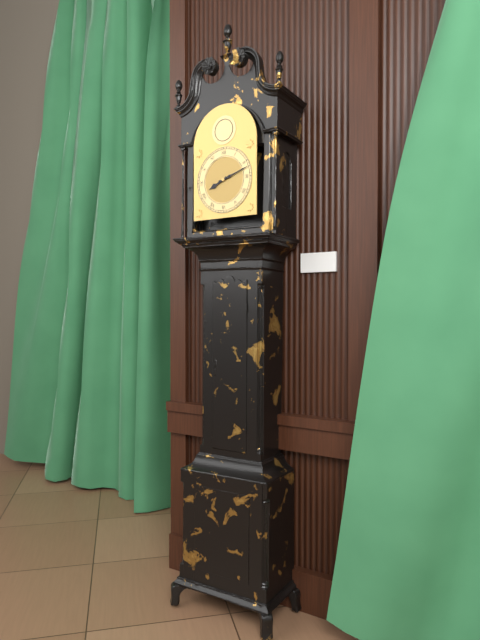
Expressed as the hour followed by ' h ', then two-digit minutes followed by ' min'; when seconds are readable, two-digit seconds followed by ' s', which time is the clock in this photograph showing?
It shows 8 h 12 min
